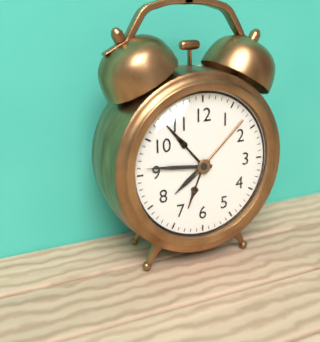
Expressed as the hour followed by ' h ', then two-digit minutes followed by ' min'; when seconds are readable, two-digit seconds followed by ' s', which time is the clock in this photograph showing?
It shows 7 h 46 min
